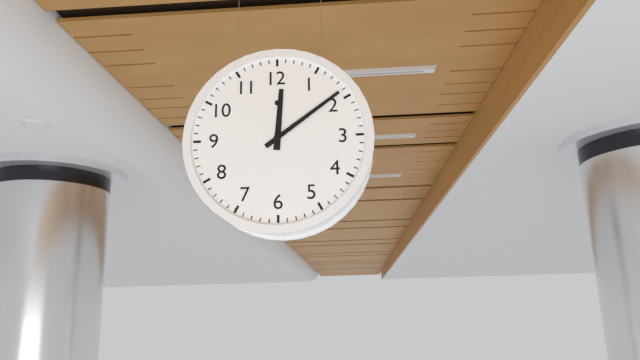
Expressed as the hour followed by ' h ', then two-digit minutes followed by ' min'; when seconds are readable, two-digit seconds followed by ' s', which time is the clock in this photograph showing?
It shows 12 h 09 min
